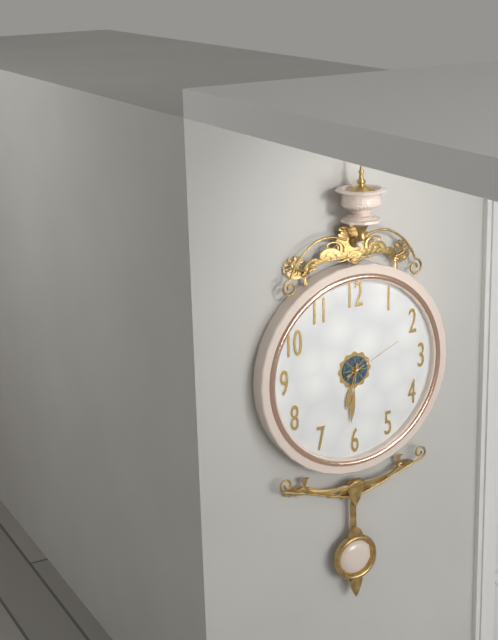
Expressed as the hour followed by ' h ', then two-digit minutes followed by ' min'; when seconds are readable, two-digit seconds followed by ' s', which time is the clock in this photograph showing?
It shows 6 h 31 min 11 s
